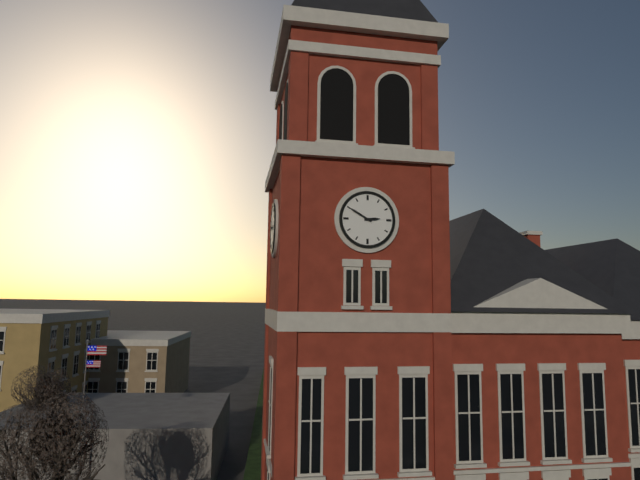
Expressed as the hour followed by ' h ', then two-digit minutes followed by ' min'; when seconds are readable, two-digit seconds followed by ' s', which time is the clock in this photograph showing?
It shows 2 h 50 min
